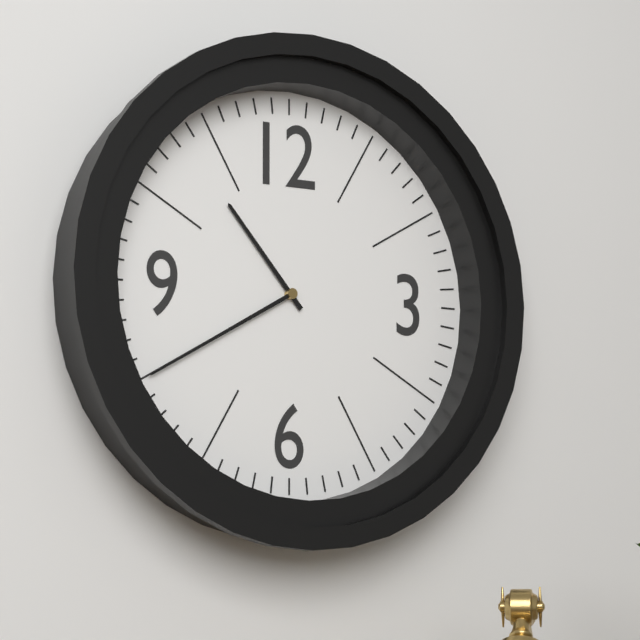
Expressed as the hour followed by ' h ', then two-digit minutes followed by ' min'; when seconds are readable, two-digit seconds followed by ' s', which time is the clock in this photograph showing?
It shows 10 h 40 min
